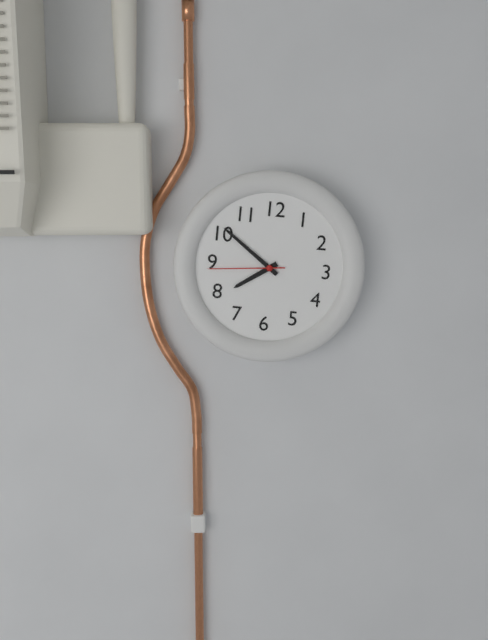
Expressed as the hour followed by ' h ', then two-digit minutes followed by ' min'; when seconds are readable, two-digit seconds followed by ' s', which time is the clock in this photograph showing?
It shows 7 h 51 min 44 s
